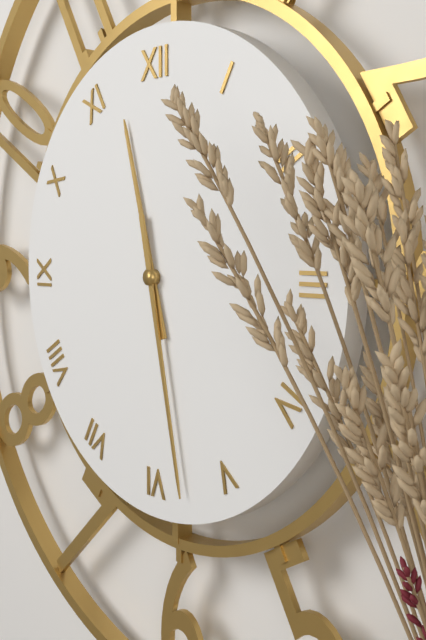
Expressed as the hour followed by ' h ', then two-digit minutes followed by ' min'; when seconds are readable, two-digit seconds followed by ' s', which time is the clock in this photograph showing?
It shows 11 h 28 min
